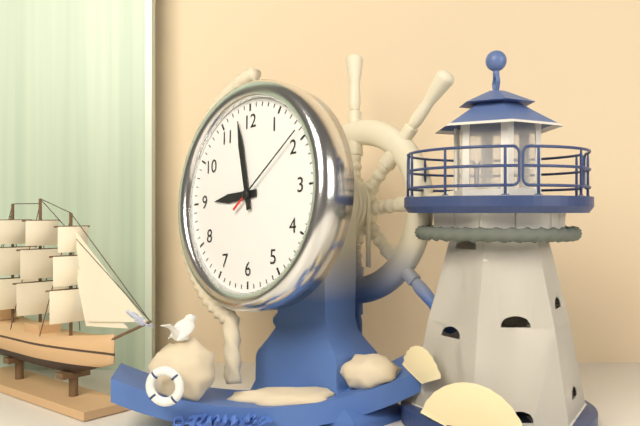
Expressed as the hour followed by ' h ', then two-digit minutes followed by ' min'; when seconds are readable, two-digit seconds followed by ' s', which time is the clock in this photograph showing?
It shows 8 h 58 min 09 s
